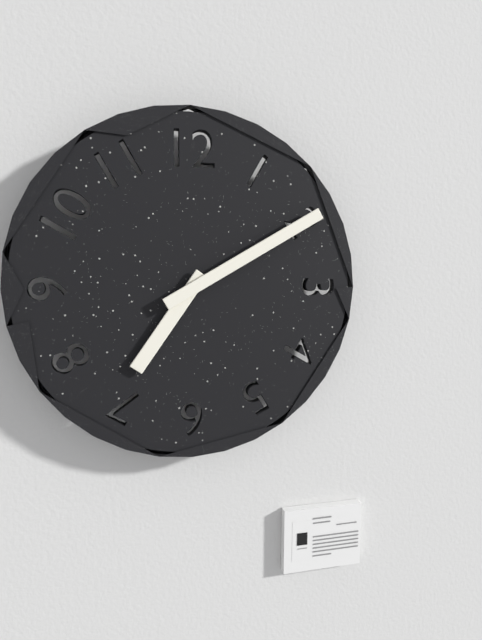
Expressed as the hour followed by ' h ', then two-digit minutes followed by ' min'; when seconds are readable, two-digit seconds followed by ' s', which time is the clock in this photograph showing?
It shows 7 h 10 min
